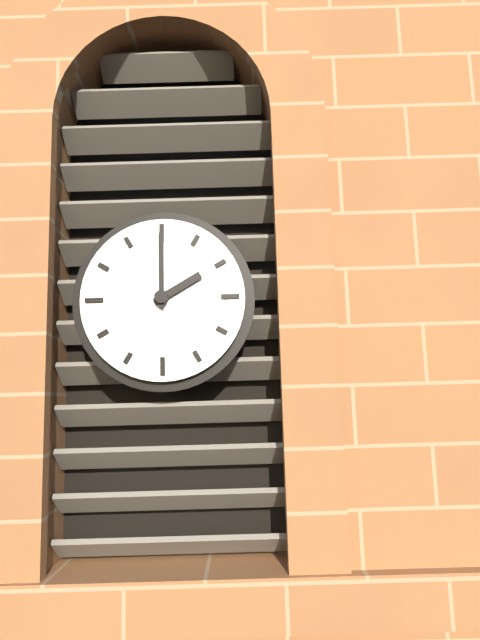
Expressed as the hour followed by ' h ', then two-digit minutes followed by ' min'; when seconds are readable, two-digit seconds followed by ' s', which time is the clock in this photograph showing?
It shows 2 h 00 min
